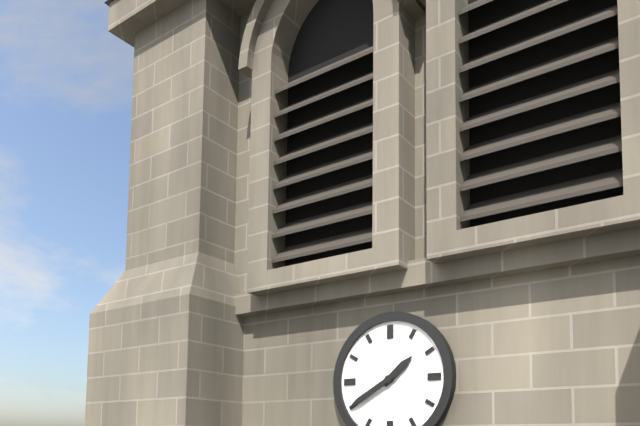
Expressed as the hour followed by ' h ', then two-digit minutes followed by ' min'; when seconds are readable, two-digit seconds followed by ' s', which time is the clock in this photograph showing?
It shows 1 h 40 min
